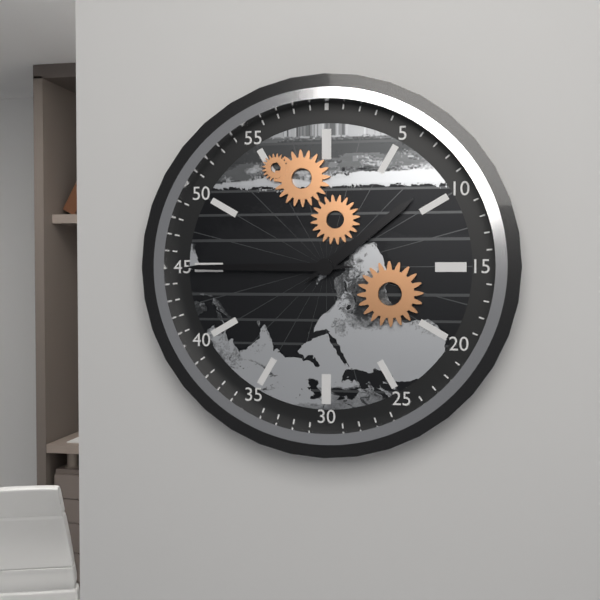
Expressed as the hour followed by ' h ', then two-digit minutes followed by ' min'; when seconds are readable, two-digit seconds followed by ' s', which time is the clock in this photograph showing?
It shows 1 h 45 min
